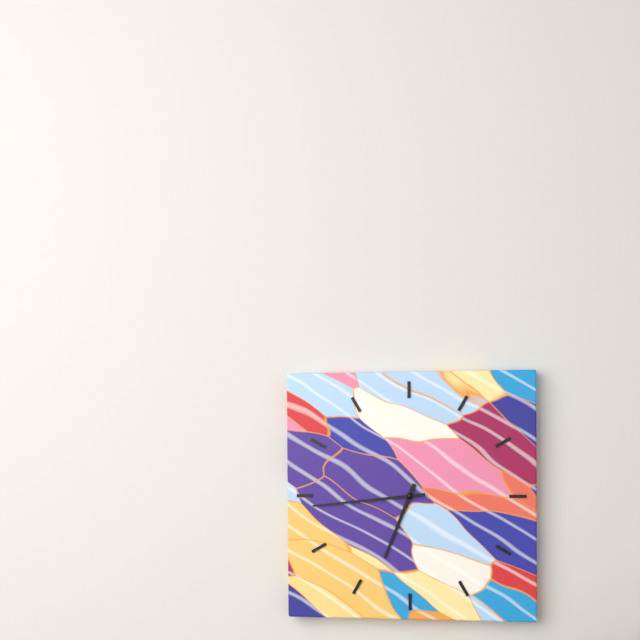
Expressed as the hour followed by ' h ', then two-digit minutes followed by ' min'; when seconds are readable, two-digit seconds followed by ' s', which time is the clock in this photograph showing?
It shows 6 h 44 min
